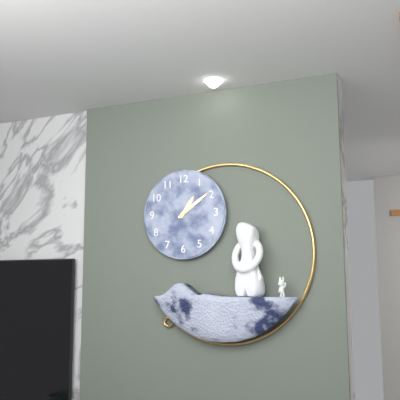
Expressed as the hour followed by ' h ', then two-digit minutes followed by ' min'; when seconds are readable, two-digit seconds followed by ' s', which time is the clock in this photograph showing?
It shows 1 h 09 min
